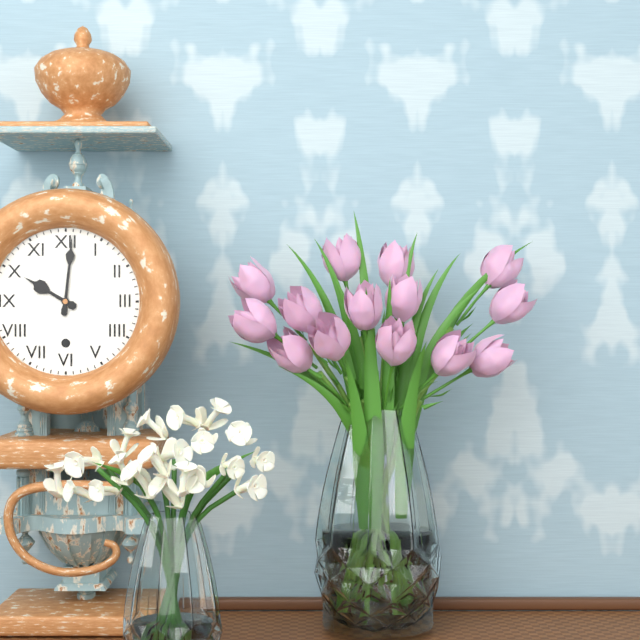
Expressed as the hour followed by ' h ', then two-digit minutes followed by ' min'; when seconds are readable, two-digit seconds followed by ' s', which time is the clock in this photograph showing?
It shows 10 h 01 min
